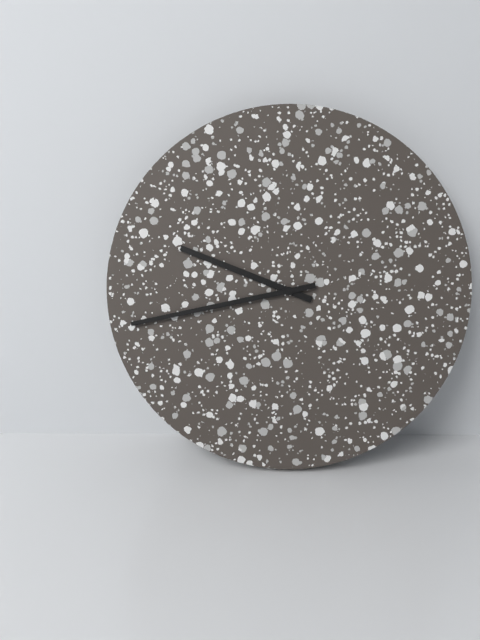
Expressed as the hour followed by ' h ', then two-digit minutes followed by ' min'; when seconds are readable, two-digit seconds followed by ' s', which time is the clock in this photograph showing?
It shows 9 h 43 min
